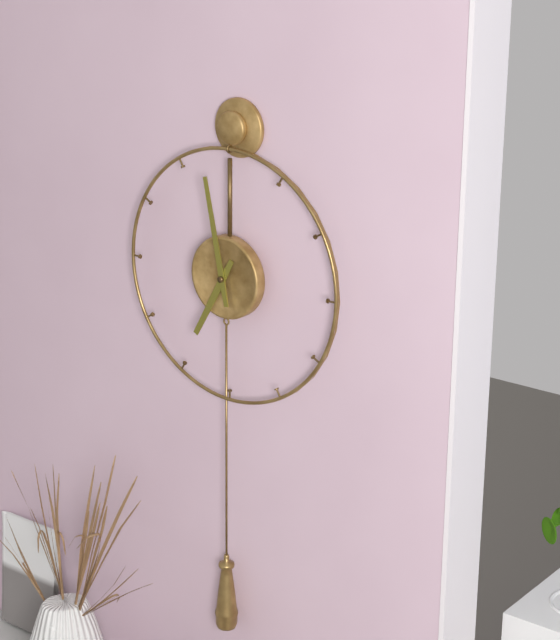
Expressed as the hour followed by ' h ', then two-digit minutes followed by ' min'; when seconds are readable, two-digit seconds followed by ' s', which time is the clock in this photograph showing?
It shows 6 h 58 min
